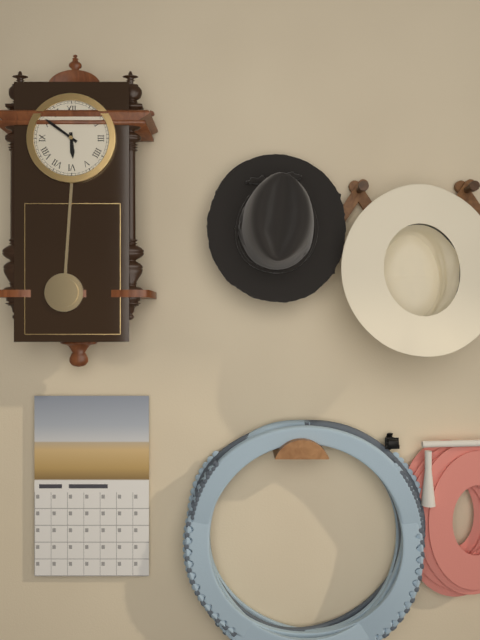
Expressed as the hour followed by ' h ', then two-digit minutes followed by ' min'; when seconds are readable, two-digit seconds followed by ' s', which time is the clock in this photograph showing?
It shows 5 h 51 min
